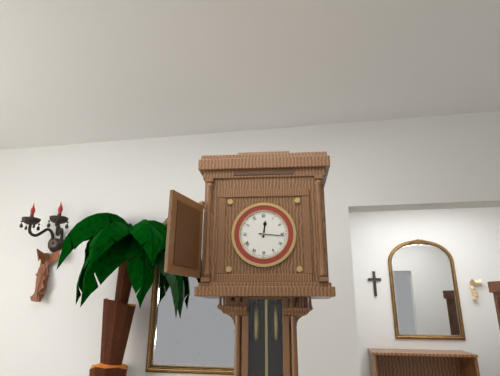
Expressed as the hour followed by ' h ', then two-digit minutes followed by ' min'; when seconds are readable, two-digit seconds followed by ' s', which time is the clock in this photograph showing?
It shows 12 h 16 min
